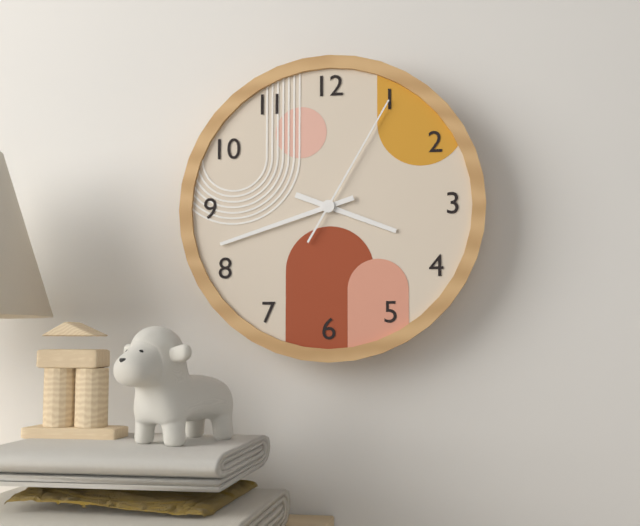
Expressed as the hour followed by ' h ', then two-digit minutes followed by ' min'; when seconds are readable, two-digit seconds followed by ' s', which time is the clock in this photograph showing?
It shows 3 h 42 min 05 s
